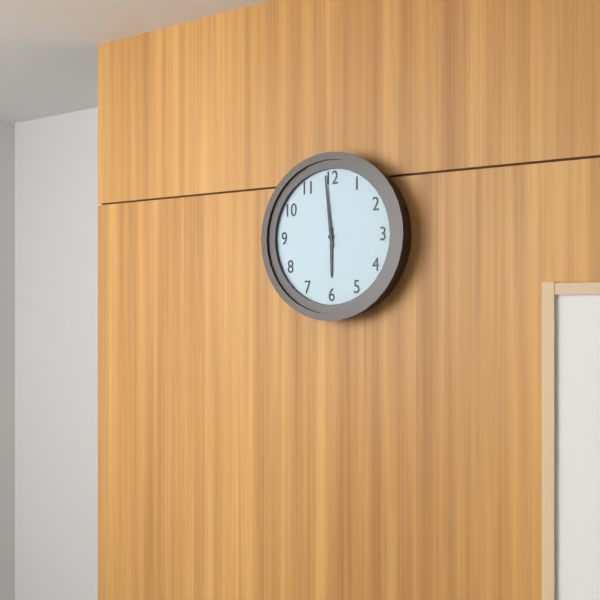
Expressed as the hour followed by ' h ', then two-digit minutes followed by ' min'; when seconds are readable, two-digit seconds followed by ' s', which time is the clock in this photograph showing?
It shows 5 h 59 min
